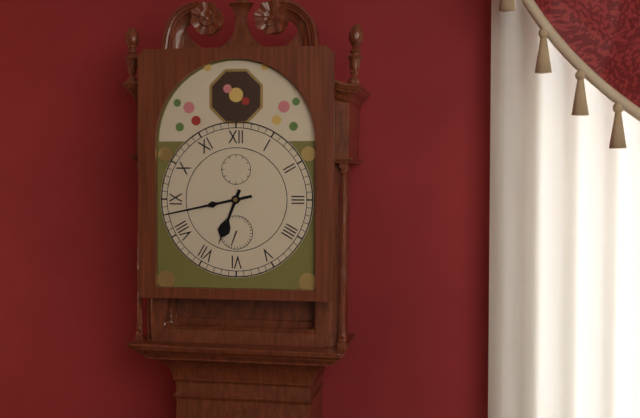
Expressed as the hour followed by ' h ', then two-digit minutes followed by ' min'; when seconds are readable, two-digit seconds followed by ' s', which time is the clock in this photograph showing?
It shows 6 h 43 min
